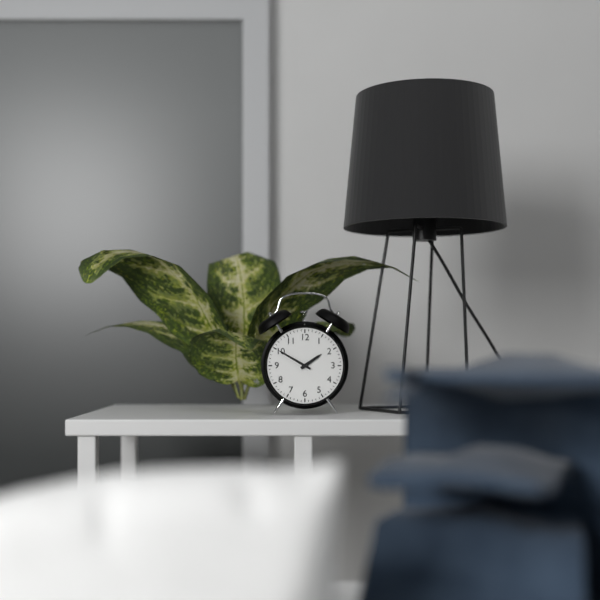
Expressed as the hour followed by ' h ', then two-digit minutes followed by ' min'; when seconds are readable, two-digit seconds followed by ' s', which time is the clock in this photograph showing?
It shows 1 h 50 min
